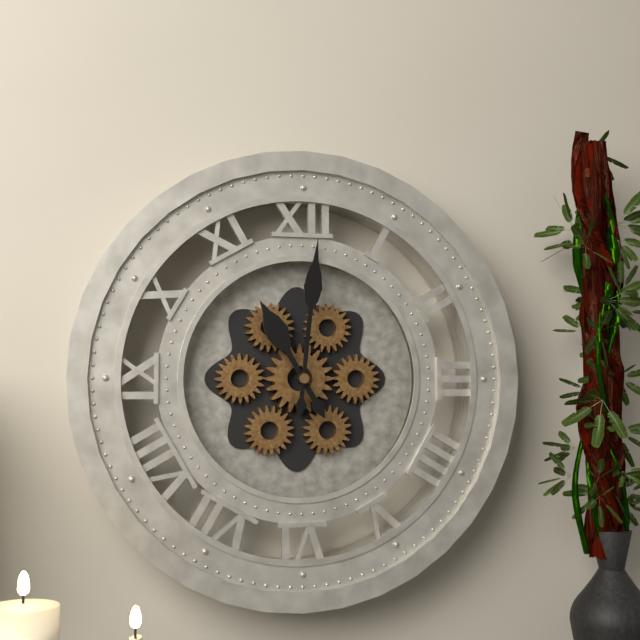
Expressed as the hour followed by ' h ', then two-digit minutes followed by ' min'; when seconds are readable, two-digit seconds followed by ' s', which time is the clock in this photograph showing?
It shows 11 h 01 min
